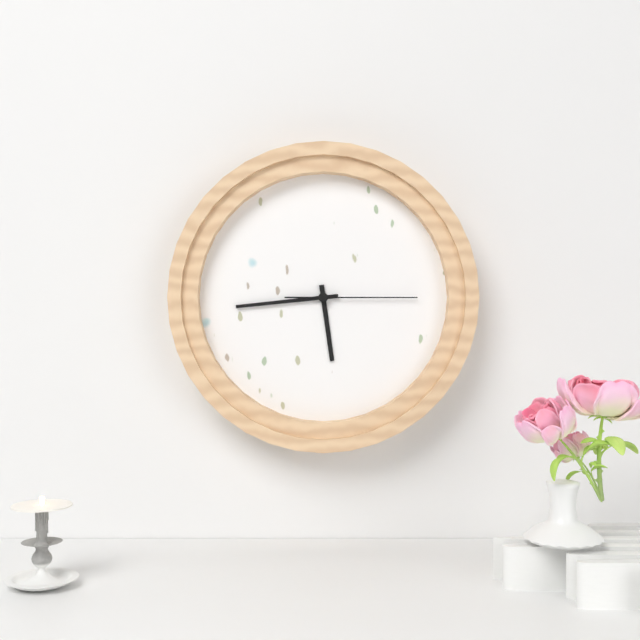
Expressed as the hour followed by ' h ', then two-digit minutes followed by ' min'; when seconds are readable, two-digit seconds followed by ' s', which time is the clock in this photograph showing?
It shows 5 h 44 min 15 s
